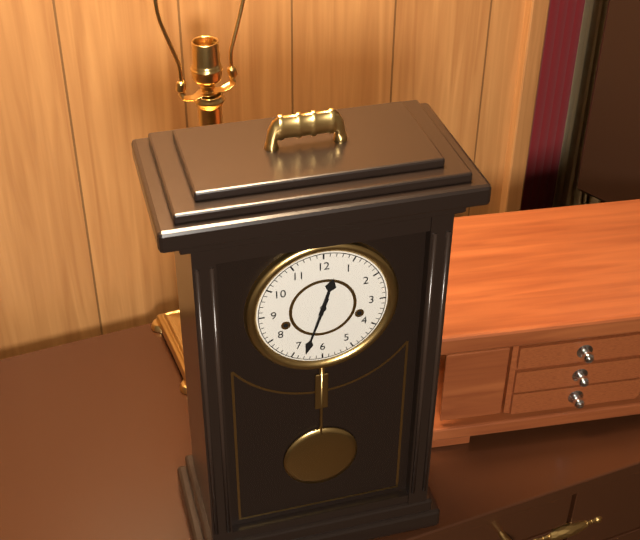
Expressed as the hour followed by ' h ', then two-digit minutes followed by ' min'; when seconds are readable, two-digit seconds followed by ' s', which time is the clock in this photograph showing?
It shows 12 h 33 min
